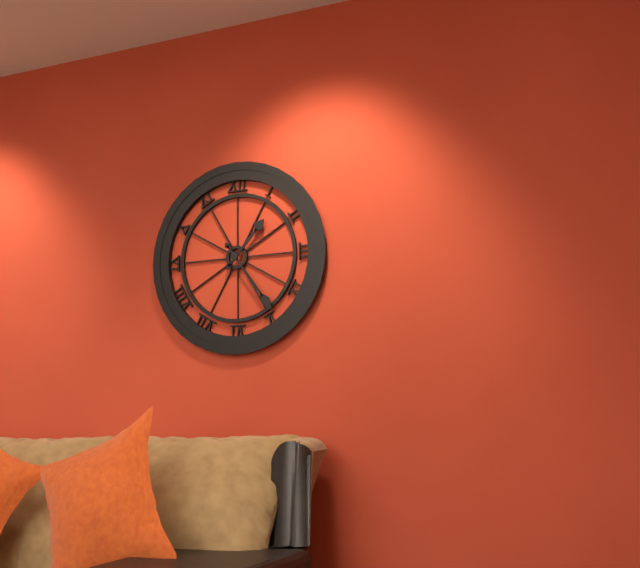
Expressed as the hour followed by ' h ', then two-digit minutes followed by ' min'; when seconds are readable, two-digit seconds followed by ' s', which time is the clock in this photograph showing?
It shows 1 h 24 min
